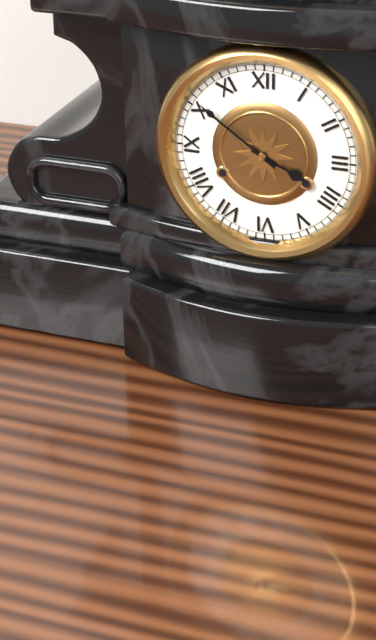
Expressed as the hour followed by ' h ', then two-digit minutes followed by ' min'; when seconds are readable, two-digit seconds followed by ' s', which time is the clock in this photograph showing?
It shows 3 h 51 min
